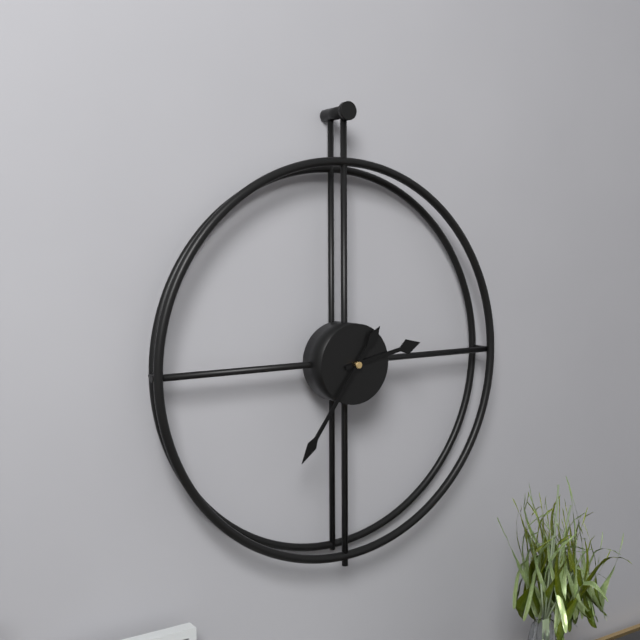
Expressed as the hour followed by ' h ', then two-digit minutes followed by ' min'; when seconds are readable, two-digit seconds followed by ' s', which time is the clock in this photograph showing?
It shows 2 h 36 min
